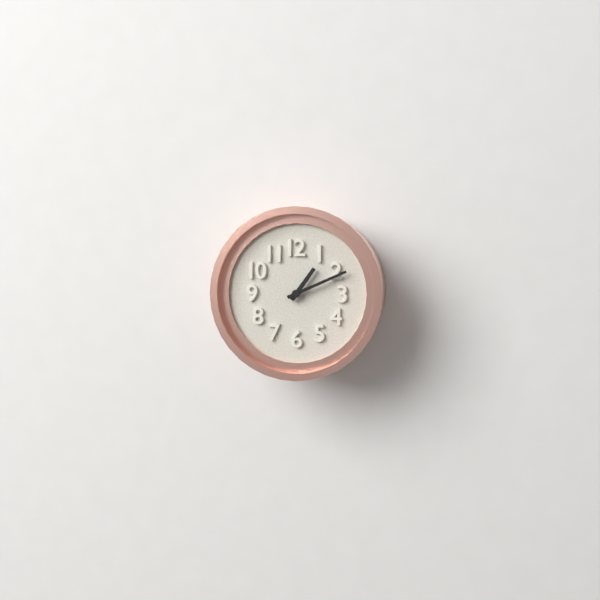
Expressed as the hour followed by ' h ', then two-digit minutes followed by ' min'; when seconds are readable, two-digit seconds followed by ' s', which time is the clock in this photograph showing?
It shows 1 h 11 min
